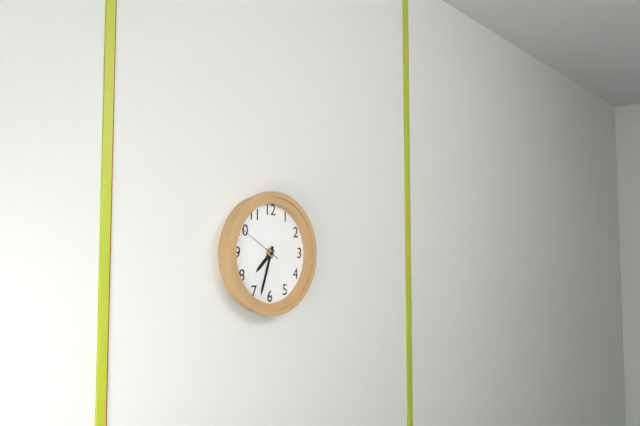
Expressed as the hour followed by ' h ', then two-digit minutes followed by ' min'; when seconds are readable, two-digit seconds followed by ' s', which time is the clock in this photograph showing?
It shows 7 h 33 min
